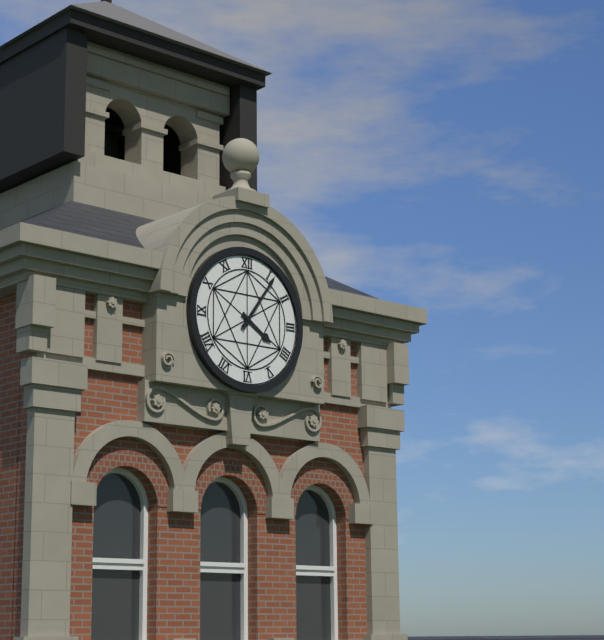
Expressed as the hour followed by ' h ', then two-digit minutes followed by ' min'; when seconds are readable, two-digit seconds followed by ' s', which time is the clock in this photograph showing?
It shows 4 h 06 min
